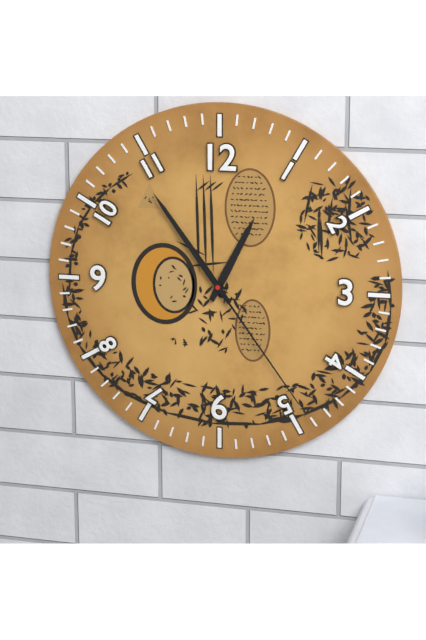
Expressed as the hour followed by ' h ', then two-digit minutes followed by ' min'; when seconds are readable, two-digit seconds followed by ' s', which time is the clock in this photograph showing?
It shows 12 h 54 min 24 s
